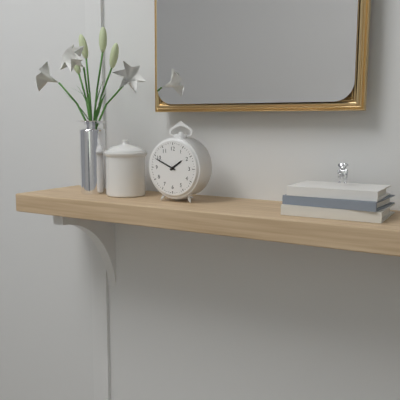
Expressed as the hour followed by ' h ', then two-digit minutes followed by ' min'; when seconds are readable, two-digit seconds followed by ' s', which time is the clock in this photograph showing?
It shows 1 h 49 min
